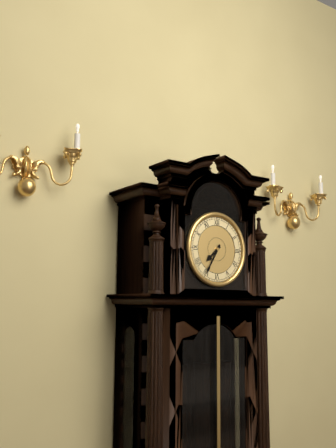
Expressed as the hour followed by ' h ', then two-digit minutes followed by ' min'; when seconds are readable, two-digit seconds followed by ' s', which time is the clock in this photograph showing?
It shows 7 h 35 min
